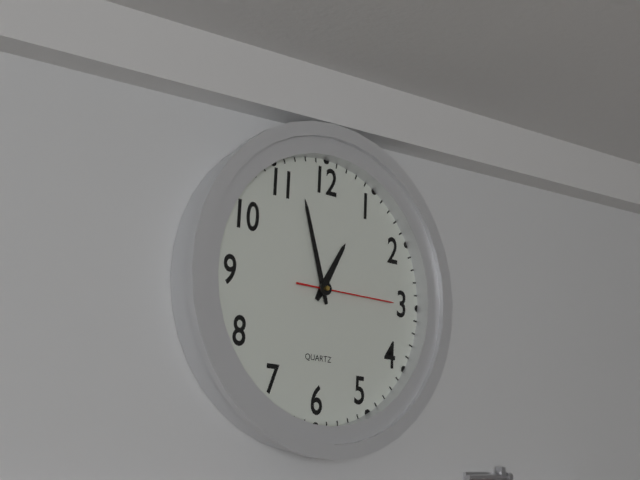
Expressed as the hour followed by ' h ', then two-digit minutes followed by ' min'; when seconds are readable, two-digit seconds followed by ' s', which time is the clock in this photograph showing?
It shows 12 h 57 min 15 s
